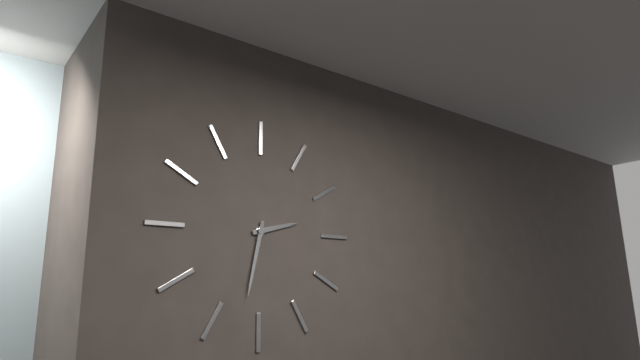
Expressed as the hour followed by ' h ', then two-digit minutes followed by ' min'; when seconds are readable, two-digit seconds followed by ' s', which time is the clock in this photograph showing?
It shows 2 h 32 min
